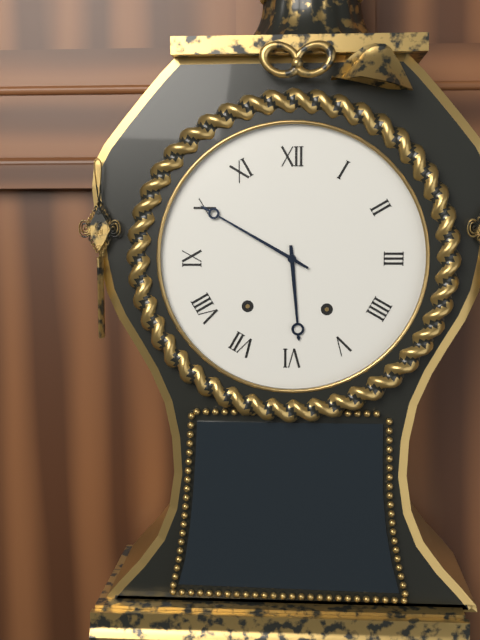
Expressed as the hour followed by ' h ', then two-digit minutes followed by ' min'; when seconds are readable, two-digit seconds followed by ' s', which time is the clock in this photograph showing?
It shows 5 h 50 min
